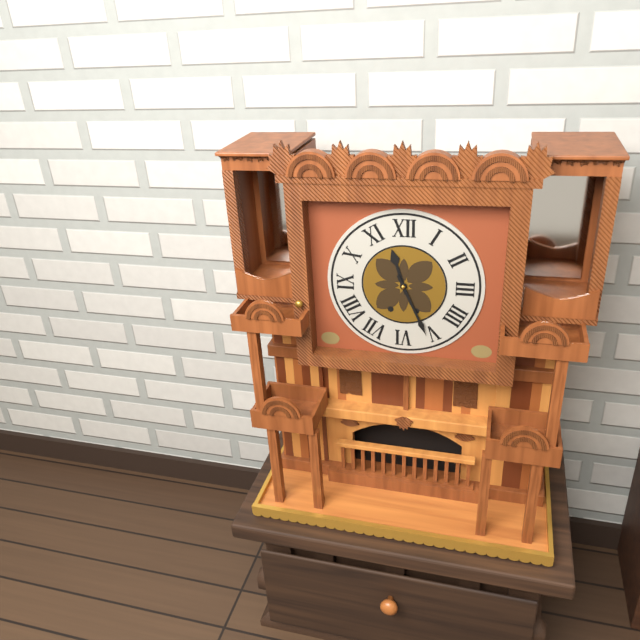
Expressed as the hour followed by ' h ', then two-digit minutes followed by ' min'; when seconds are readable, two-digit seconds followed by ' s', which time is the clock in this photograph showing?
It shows 11 h 26 min
